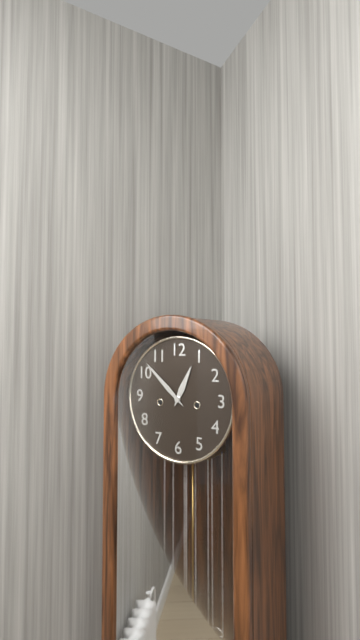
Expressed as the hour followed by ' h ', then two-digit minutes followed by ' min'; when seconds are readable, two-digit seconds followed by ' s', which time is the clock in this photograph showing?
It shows 12 h 52 min
